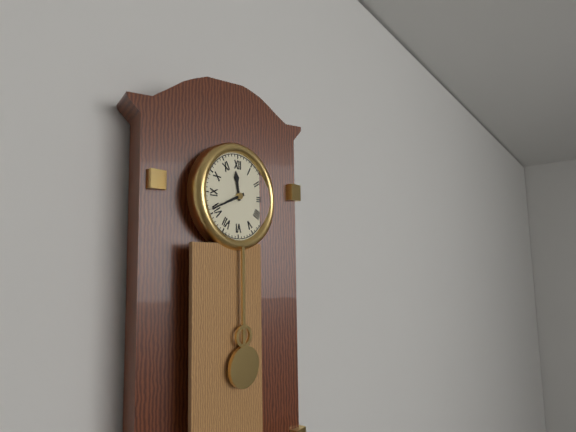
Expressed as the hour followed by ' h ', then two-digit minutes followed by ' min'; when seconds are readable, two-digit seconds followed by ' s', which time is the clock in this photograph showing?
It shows 11 h 41 min
